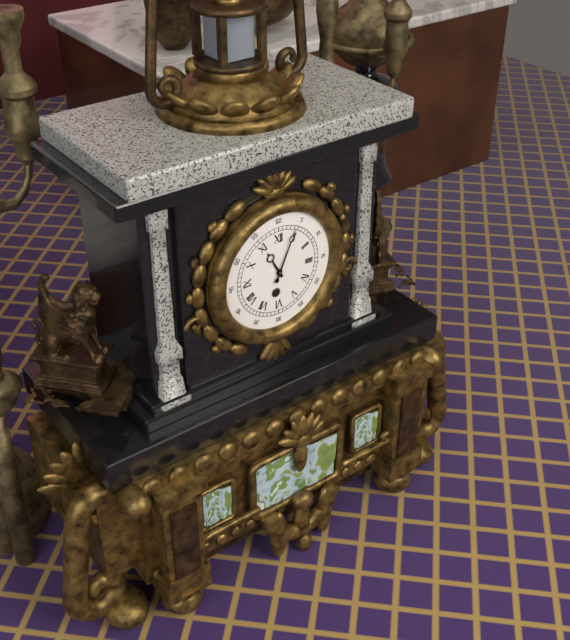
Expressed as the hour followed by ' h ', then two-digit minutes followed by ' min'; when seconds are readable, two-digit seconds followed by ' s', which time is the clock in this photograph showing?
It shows 11 h 04 min
